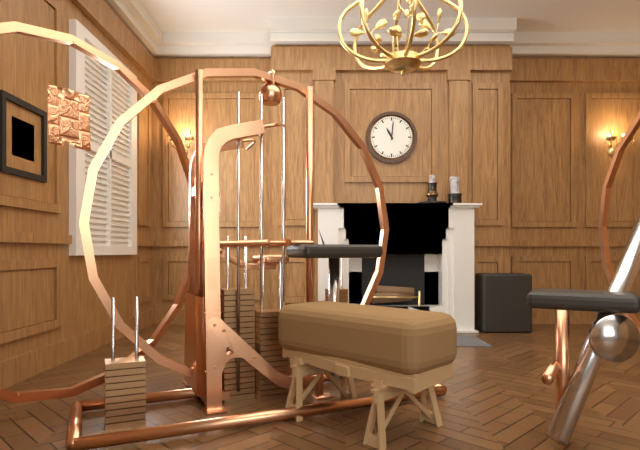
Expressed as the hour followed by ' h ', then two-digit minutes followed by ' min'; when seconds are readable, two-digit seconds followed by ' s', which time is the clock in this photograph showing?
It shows 11 h 01 min
